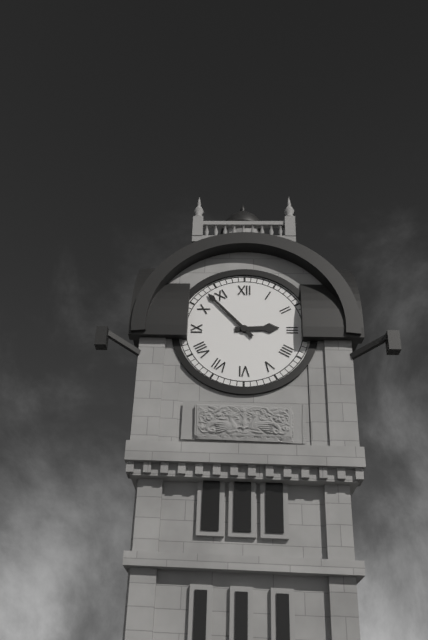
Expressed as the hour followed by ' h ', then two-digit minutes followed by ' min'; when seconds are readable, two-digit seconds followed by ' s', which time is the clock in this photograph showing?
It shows 2 h 53 min
